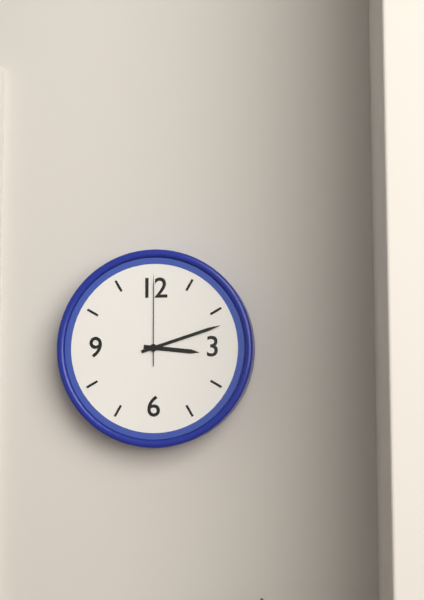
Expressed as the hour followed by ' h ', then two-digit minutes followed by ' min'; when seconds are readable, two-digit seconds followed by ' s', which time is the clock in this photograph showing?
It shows 3 h 12 min 00 s
